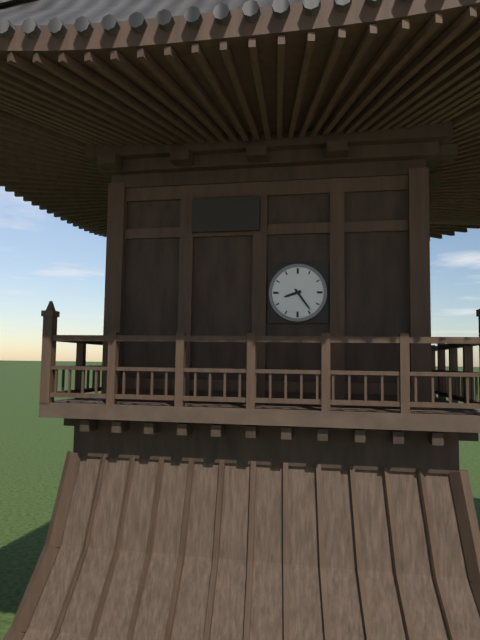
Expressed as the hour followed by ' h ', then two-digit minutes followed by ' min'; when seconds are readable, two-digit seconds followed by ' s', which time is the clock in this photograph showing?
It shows 8 h 24 min
